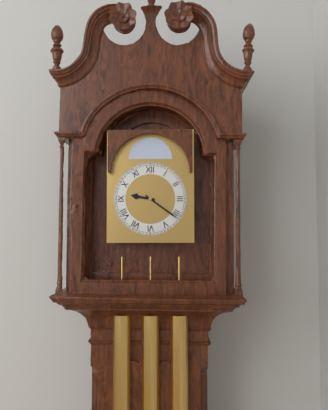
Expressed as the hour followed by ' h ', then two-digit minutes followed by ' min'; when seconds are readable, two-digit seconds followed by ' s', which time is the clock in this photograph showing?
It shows 9 h 21 min
